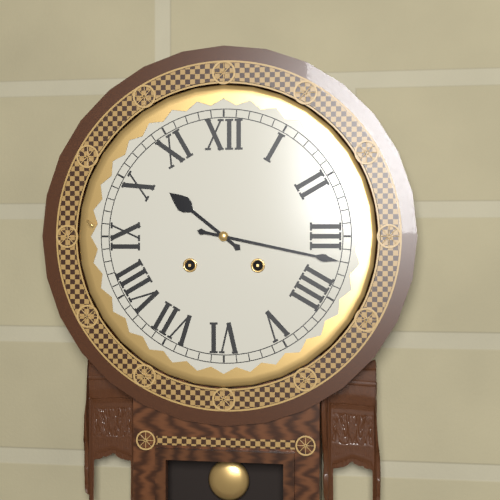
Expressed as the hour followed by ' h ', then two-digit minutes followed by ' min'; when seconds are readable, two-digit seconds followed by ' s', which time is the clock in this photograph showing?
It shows 10 h 17 min
